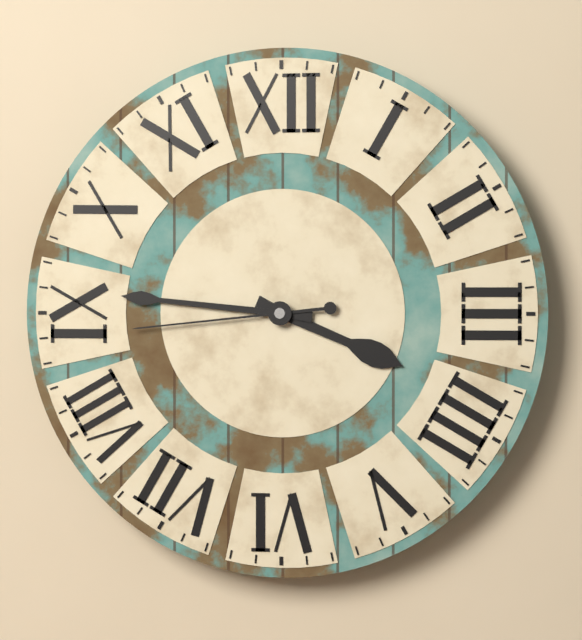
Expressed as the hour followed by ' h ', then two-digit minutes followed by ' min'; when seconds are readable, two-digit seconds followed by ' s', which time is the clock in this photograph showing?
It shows 3 h 46 min 44 s
